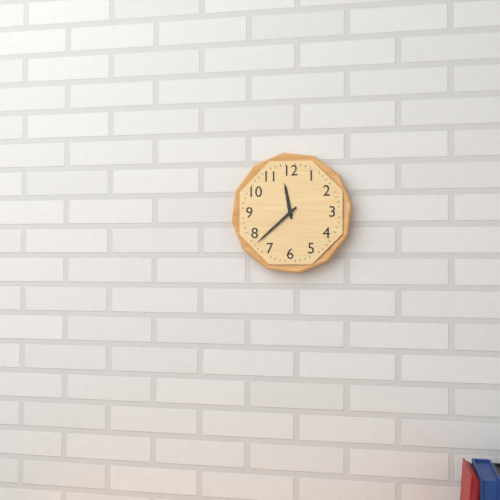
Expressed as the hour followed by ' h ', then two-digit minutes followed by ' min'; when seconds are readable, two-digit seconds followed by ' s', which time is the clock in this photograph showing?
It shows 11 h 38 min
